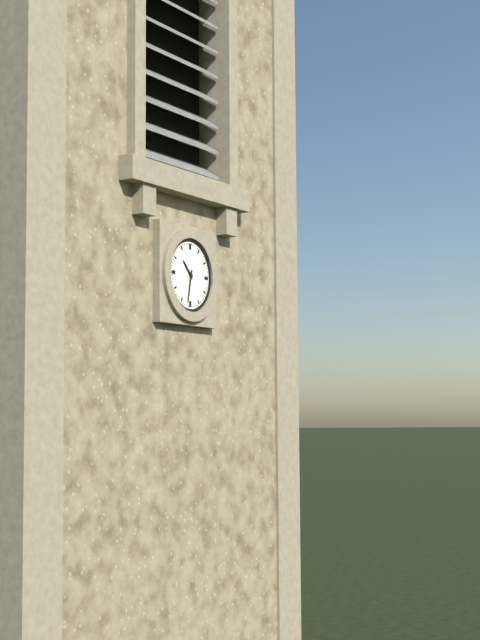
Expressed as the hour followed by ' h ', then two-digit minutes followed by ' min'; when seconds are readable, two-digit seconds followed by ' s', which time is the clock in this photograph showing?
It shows 10 h 32 min
